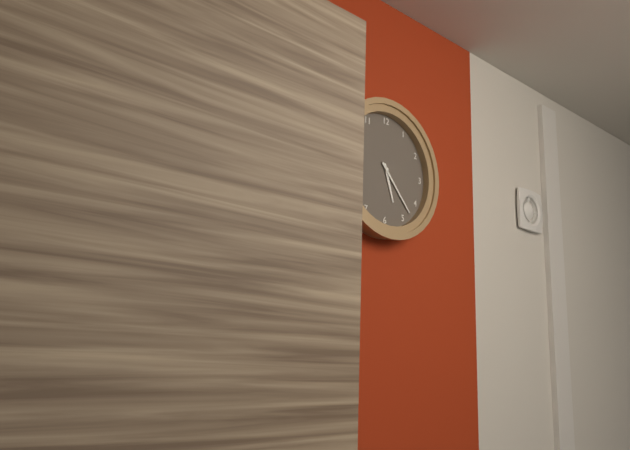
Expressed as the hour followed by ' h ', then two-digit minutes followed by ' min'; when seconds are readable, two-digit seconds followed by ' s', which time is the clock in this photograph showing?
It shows 5 h 23 min
